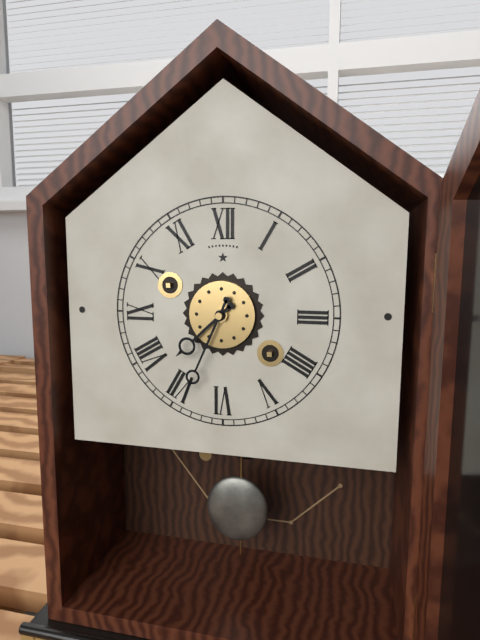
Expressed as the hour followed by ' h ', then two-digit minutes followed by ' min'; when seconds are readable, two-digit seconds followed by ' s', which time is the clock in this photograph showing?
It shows 7 h 34 min
